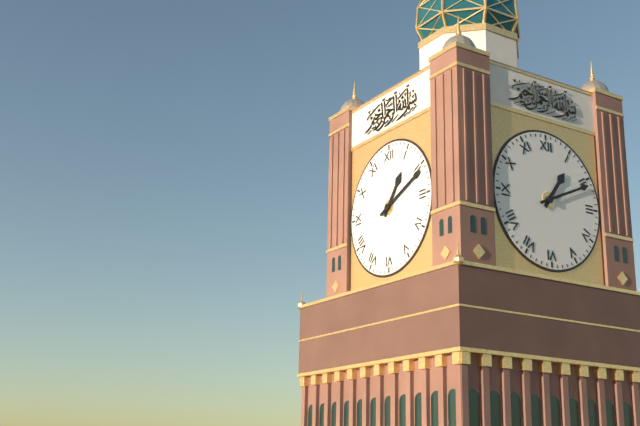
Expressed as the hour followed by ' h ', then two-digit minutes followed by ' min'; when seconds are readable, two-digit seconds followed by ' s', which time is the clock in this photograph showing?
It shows 1 h 11 min
